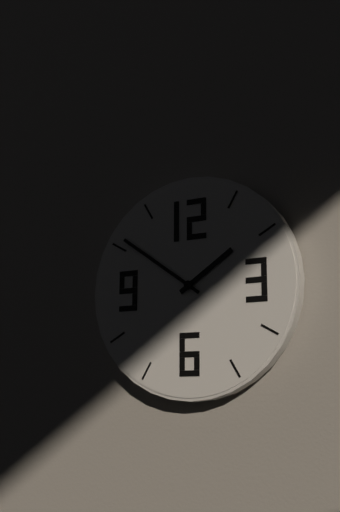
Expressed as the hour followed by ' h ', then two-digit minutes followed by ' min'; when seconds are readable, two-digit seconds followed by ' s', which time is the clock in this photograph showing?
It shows 1 h 51 min
